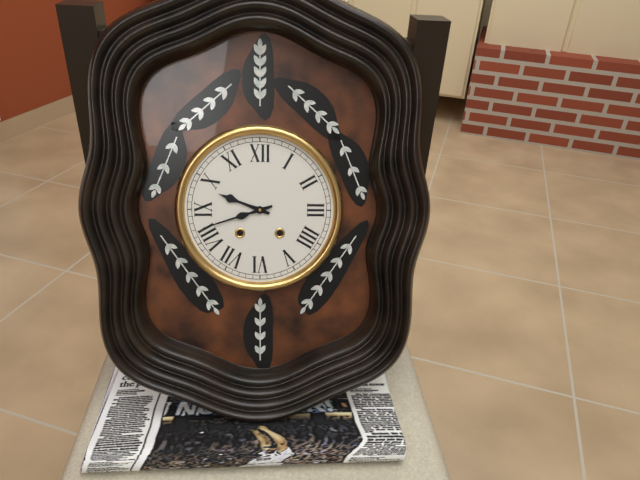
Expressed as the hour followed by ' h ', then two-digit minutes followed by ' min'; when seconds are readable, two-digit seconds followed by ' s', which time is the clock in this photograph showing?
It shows 9 h 42 min
